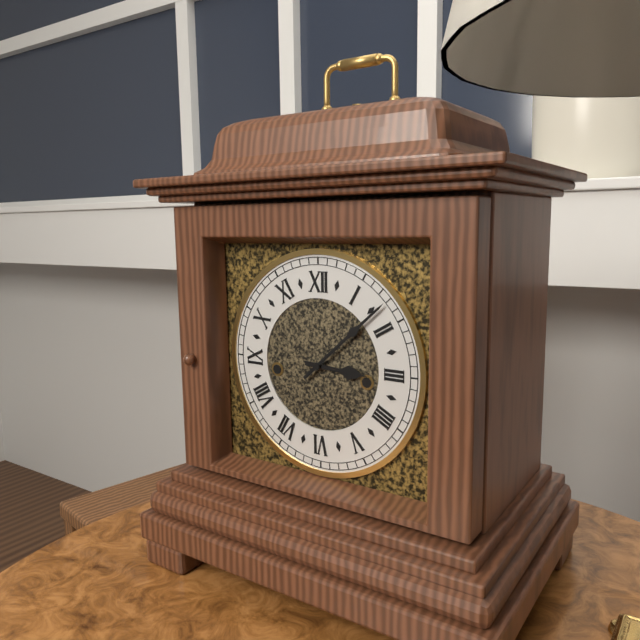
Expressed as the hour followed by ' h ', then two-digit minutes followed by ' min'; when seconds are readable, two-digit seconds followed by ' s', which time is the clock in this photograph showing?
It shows 3 h 08 min
